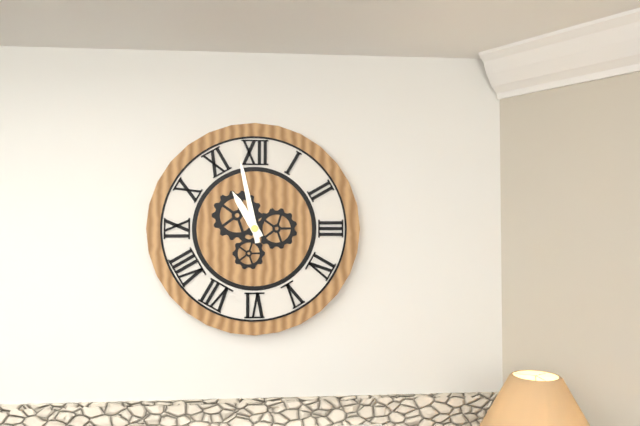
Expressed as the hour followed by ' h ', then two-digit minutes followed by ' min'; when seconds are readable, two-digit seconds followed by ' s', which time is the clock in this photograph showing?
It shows 10 h 58 min
